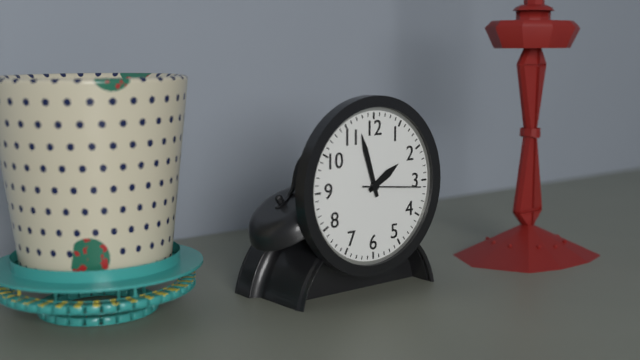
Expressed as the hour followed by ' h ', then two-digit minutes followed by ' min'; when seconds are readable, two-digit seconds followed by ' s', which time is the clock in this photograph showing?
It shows 1 h 57 min 16 s
